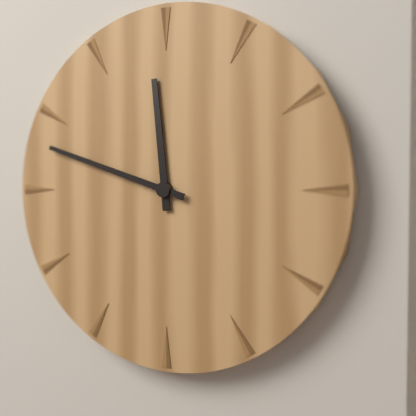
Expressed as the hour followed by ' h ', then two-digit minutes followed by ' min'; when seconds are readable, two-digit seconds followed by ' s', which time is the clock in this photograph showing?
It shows 11 h 48 min
